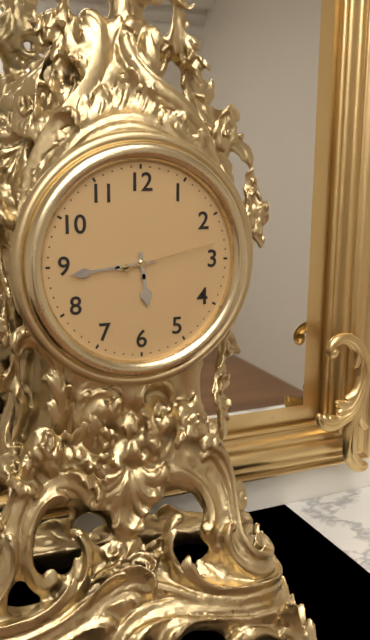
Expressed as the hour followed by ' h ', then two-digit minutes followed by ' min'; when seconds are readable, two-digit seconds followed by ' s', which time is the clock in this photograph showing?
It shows 5 h 44 min 13 s
